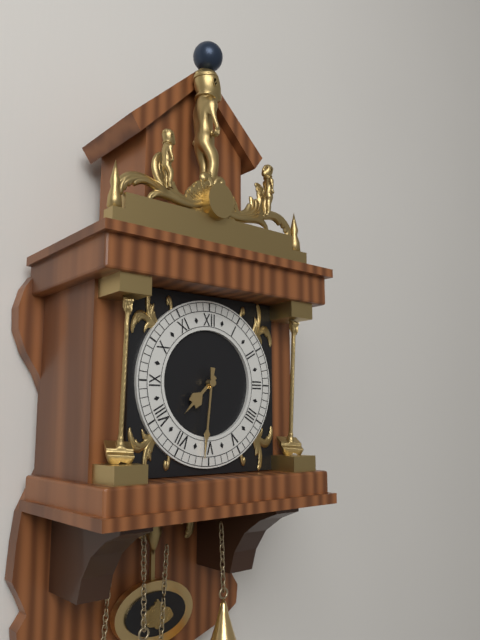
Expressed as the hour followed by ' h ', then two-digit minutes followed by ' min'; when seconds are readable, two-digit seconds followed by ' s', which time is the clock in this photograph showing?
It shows 7 h 31 min
